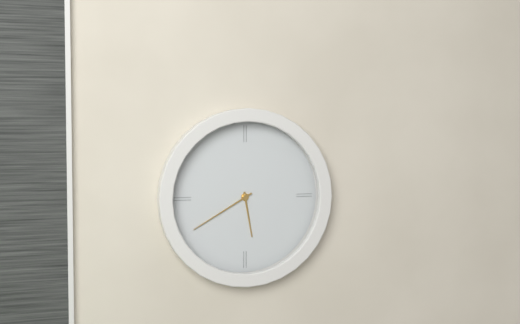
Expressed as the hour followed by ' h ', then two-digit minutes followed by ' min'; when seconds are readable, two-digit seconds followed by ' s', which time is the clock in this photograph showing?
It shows 5 h 40 min
